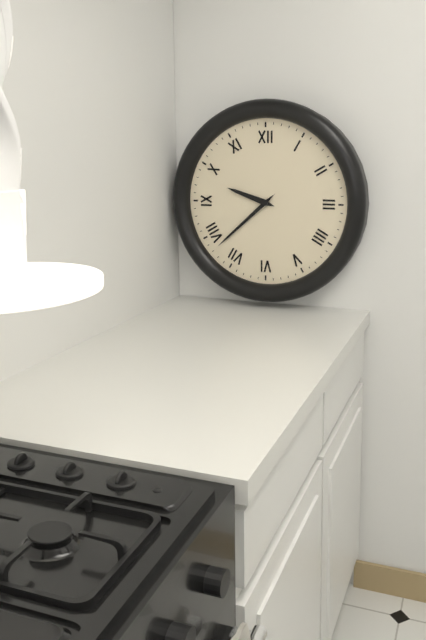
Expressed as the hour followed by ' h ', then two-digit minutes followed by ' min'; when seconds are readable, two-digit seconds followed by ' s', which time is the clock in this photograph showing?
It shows 9 h 38 min
